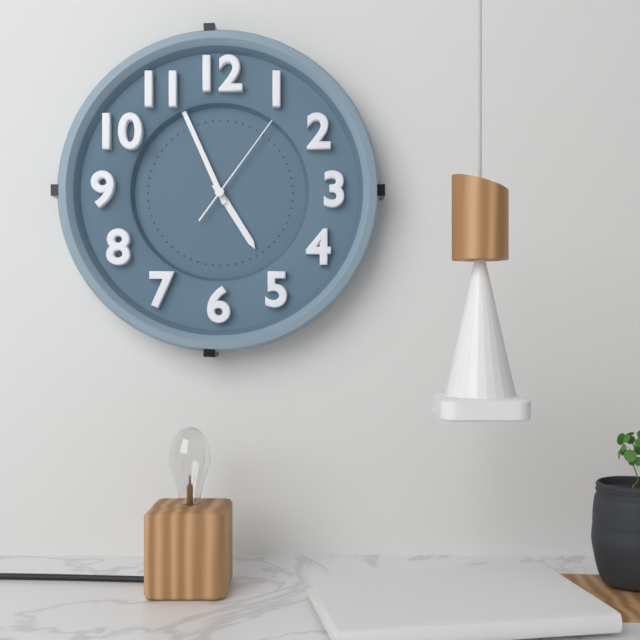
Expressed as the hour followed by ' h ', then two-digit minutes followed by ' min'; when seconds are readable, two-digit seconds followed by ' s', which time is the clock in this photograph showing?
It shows 4 h 56 min 06 s
